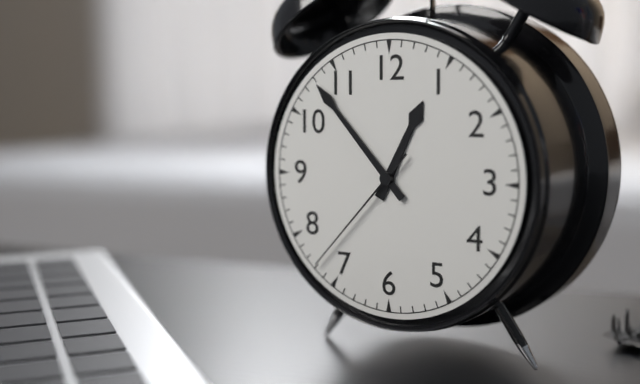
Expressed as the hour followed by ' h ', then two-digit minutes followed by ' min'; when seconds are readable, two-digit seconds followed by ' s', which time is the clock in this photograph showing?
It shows 12 h 53 min 37 s
